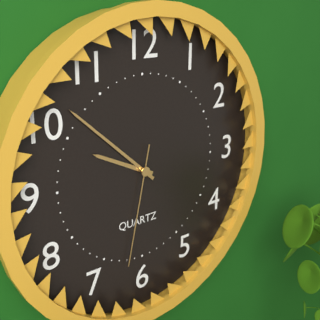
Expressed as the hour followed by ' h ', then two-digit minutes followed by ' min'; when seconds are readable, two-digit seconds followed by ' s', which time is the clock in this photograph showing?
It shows 9 h 52 min 32 s
